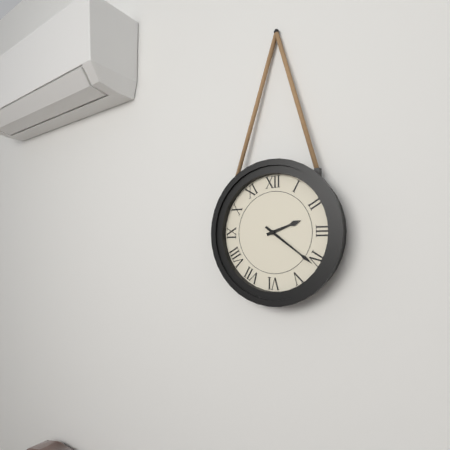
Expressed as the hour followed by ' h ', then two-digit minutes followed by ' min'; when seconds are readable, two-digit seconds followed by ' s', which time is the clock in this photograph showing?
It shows 2 h 21 min
